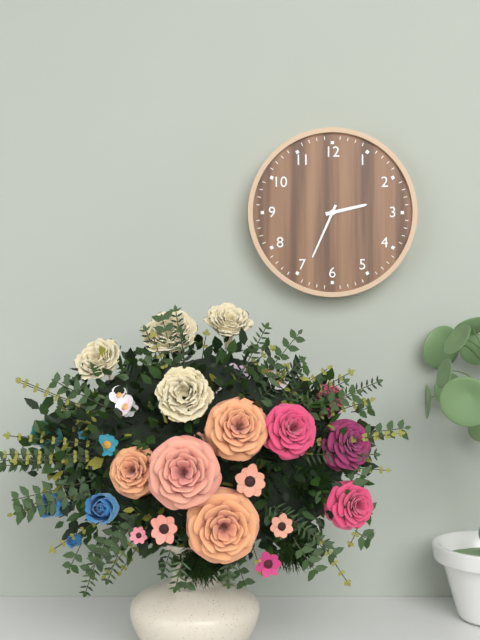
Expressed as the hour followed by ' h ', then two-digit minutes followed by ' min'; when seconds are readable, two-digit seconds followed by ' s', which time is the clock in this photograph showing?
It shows 2 h 34 min
